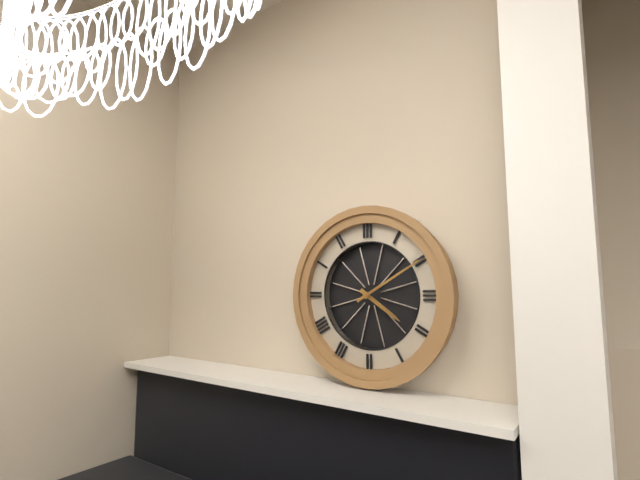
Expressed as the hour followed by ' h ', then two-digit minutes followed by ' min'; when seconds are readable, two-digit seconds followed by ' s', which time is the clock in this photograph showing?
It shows 4 h 10 min
